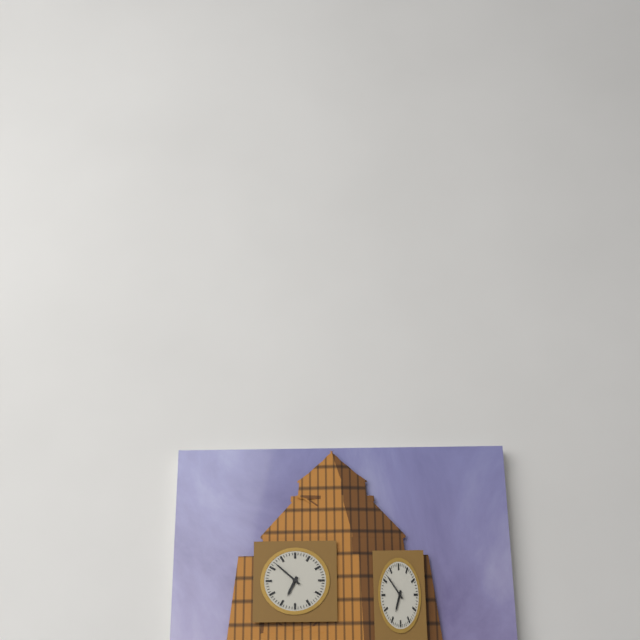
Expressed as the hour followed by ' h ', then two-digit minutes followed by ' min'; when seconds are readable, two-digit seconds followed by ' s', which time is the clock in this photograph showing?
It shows 6 h 52 min
